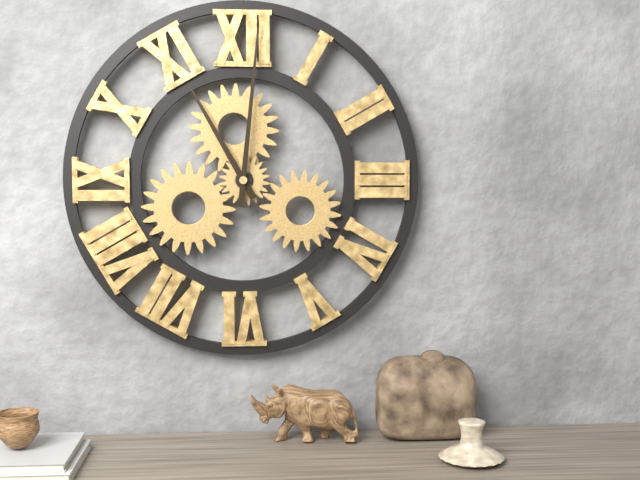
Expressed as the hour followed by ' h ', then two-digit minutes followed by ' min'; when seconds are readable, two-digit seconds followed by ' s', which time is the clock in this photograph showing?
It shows 11 h 01 min
